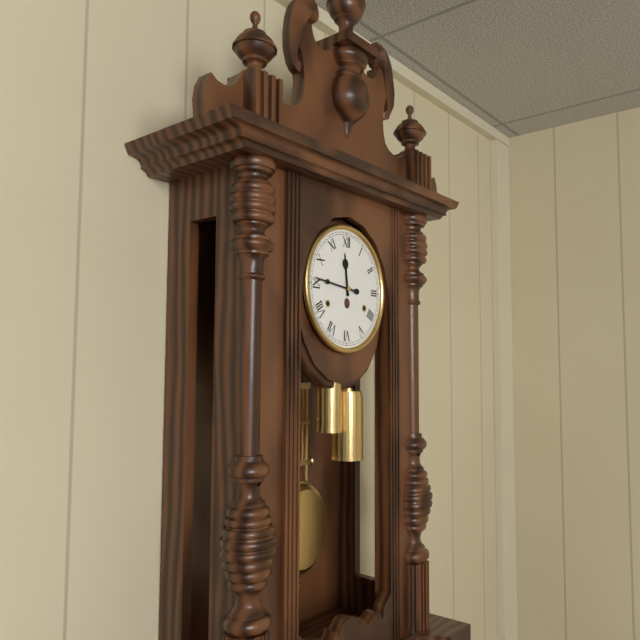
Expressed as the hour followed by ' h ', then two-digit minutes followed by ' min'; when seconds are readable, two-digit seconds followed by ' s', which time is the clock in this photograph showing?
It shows 11 h 46 min
